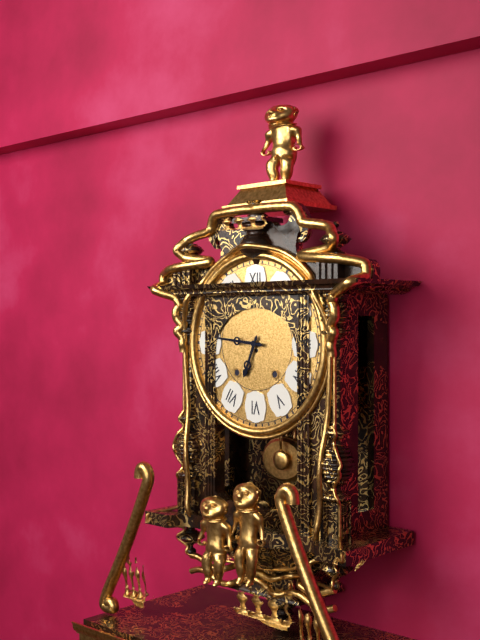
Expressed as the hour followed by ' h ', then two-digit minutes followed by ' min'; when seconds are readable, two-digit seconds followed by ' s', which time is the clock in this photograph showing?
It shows 6 h 46 min
